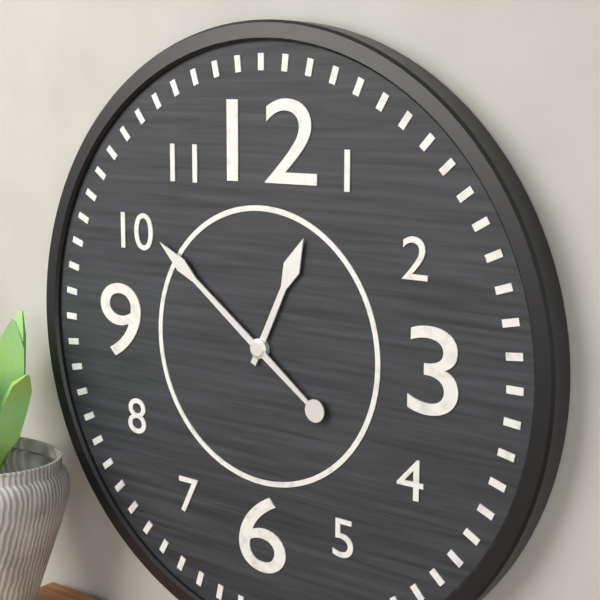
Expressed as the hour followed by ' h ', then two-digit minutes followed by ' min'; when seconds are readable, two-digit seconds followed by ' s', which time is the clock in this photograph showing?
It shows 12 h 51 min
